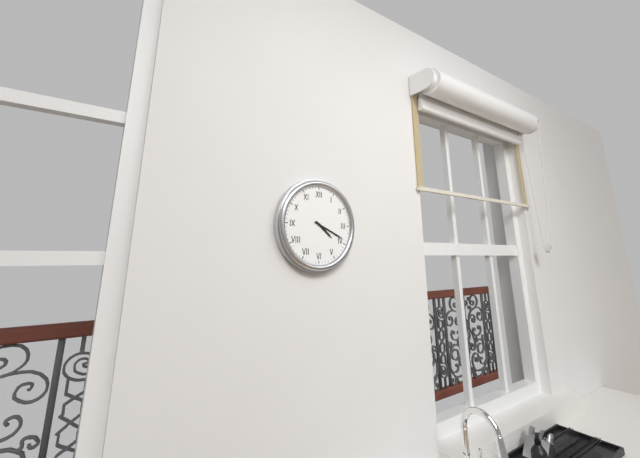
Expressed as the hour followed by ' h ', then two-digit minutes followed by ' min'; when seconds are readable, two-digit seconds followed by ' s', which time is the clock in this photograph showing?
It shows 4 h 19 min
